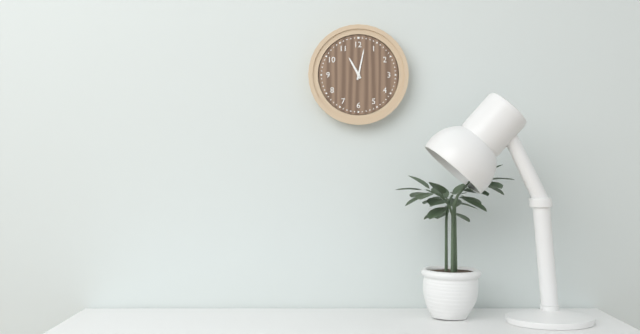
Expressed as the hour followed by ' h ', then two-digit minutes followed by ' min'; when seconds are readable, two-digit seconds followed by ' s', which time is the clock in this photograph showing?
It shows 11 h 02 min
